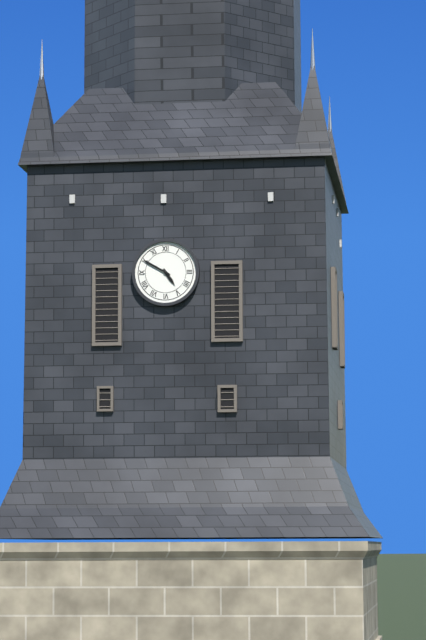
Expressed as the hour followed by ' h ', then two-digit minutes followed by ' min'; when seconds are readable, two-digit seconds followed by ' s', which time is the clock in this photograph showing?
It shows 4 h 50 min
